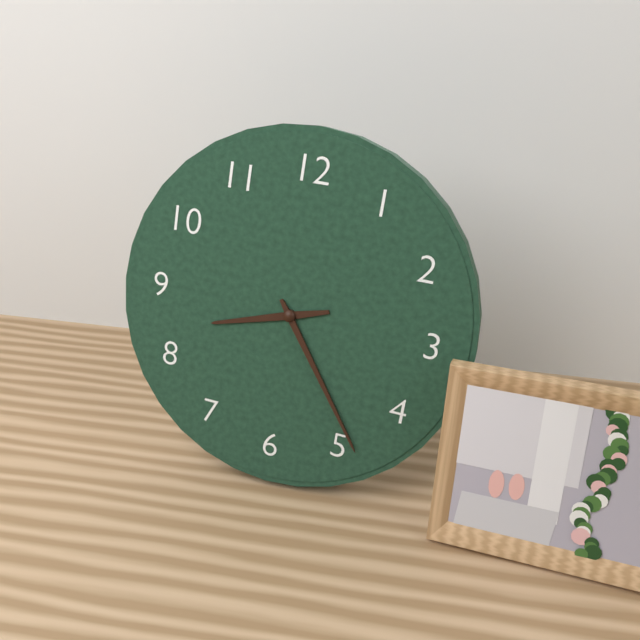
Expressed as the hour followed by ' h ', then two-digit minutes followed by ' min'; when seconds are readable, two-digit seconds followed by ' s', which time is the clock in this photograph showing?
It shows 8 h 24 min
